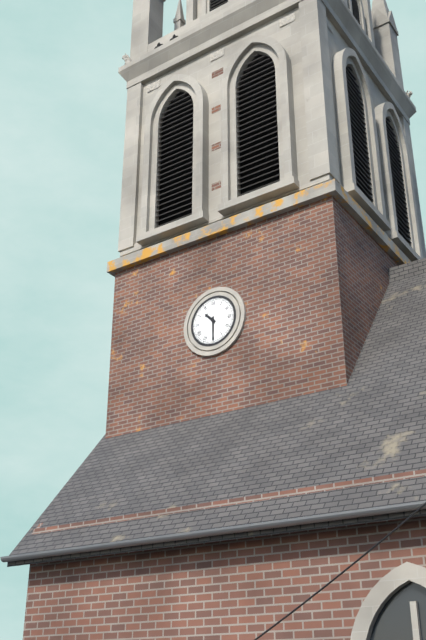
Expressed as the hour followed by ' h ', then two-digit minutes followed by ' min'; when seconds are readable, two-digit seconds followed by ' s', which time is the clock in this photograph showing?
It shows 10 h 30 min
